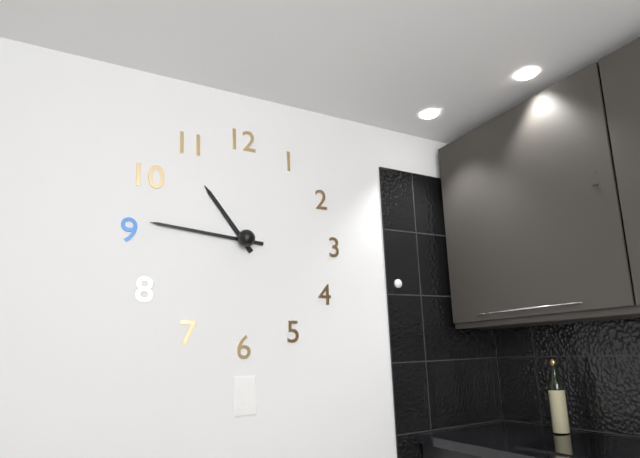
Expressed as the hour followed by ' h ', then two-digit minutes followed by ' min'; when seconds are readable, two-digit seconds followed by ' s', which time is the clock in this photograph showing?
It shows 10 h 46 min
